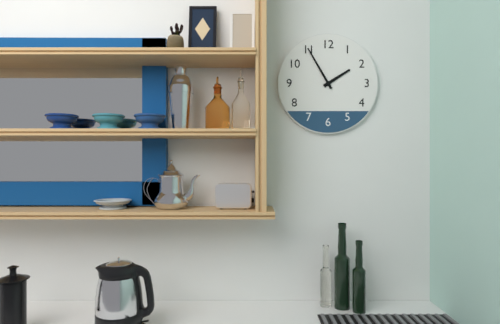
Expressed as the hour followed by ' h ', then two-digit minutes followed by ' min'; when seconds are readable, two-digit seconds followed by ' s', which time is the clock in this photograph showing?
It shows 1 h 55 min
